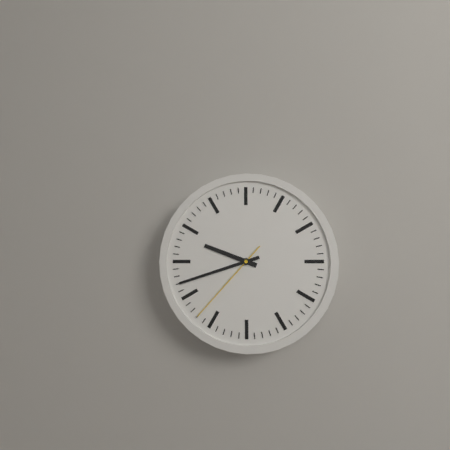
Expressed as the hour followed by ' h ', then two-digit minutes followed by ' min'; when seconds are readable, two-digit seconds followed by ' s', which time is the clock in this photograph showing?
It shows 9 h 42 min 37 s
